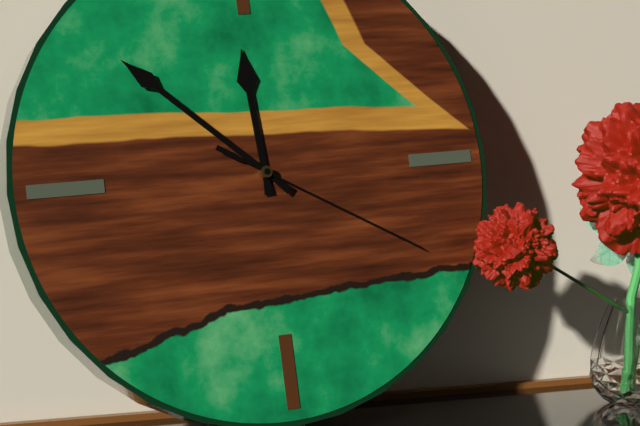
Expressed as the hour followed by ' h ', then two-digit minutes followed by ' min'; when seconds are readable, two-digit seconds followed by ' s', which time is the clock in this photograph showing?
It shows 11 h 52 min 20 s
